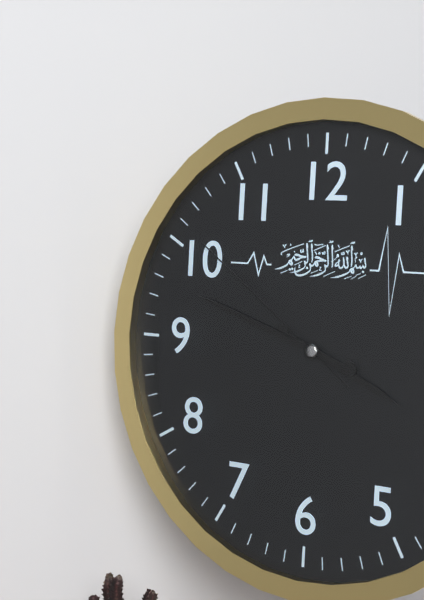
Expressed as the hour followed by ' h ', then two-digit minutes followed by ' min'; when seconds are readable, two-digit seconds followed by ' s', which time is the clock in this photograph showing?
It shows 3 h 48 min 51 s
